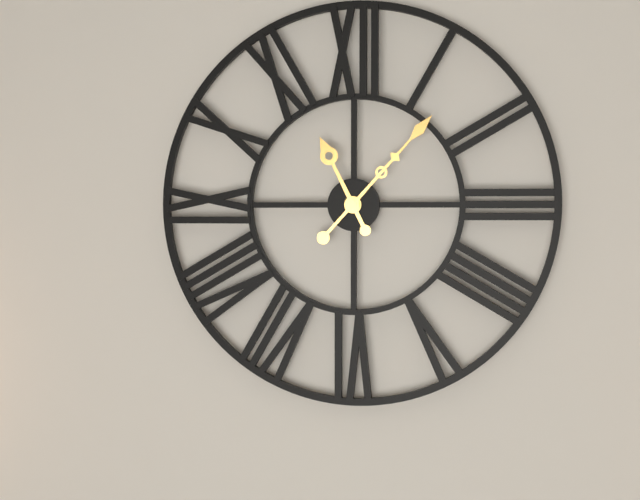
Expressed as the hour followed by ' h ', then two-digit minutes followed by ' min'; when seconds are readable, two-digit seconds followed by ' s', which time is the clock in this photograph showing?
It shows 11 h 07 min
